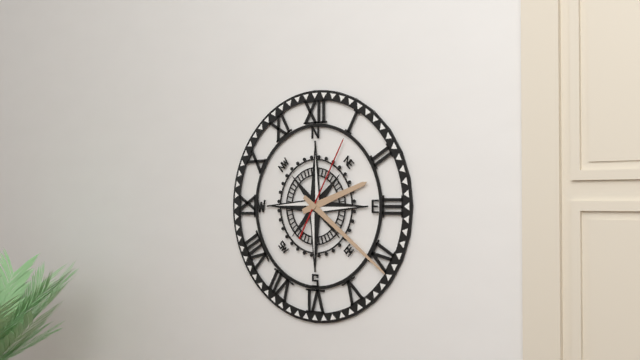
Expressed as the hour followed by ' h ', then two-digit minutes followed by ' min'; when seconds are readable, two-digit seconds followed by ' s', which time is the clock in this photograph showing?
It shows 2 h 21 min 05 s
